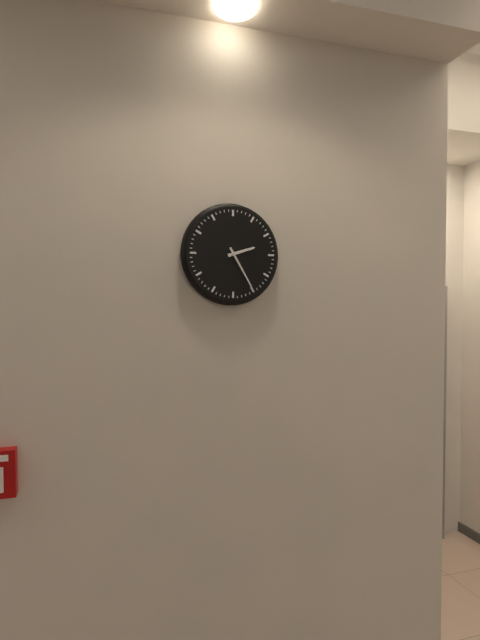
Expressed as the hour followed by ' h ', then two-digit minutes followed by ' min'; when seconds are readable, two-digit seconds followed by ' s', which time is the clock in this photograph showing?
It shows 2 h 25 min
